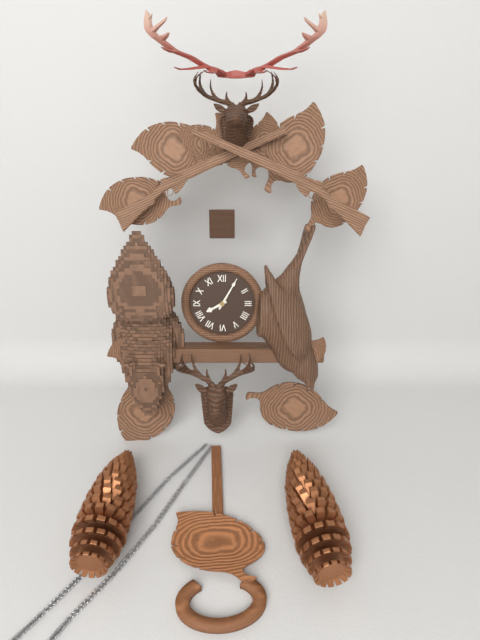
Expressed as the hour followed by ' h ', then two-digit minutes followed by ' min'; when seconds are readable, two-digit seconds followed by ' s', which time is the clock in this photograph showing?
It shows 8 h 05 min
